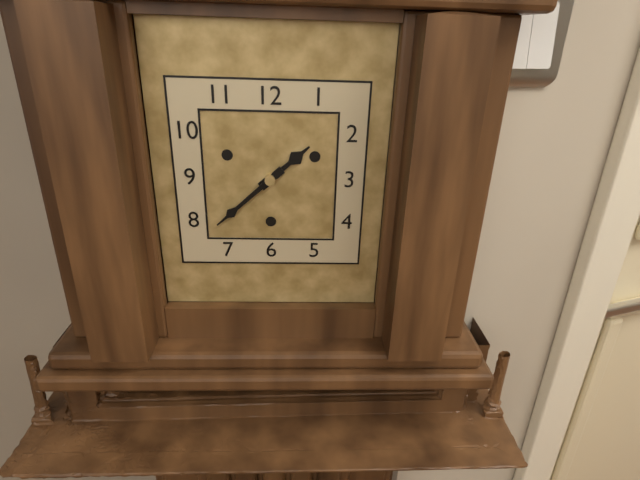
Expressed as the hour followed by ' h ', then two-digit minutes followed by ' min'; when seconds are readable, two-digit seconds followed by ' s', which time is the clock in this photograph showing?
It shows 1 h 38 min
